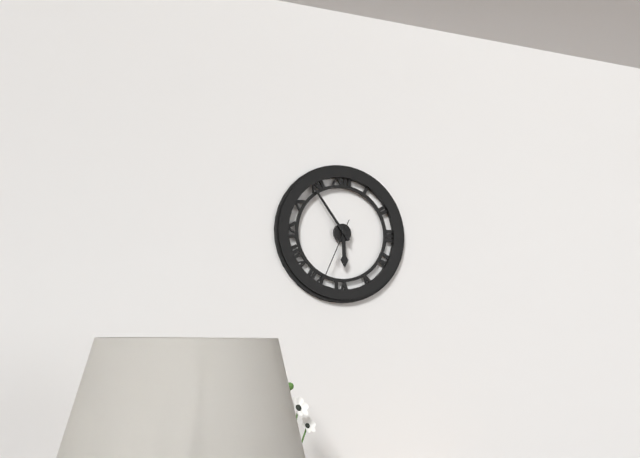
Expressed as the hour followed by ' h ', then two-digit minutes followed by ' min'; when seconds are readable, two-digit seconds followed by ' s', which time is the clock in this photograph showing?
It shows 5 h 54 min 34 s
